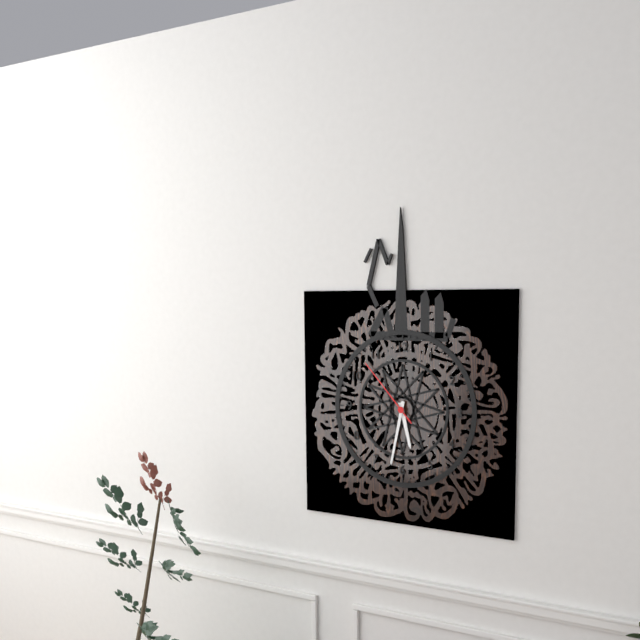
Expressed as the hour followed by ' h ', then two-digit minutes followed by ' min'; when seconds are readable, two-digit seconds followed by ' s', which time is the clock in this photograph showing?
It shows 5 h 32 min 53 s
